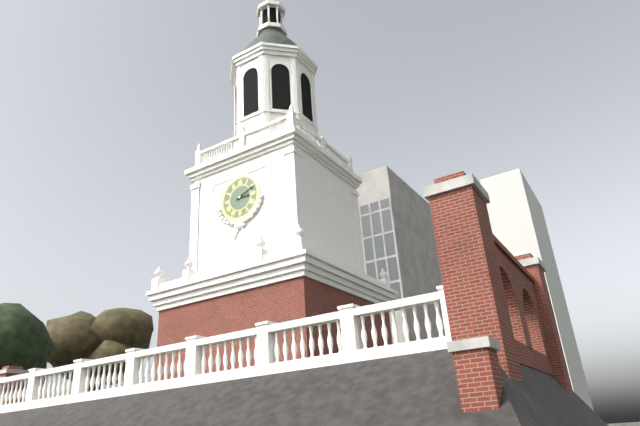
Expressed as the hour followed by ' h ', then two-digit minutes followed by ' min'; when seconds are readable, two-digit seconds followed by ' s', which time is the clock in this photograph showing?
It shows 3 h 11 min
